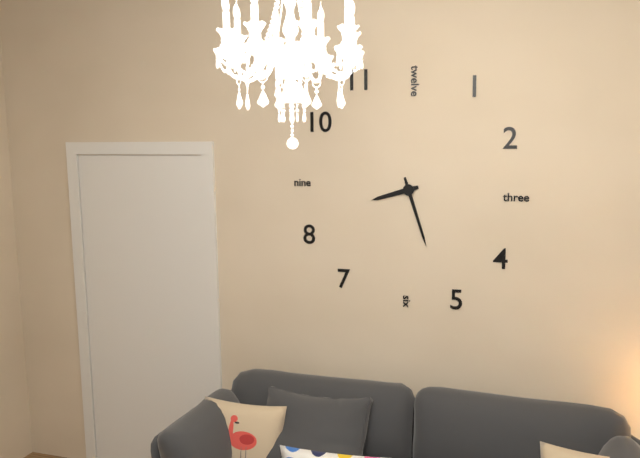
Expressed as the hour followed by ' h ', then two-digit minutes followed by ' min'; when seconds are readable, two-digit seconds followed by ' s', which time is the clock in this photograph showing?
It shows 8 h 27 min
